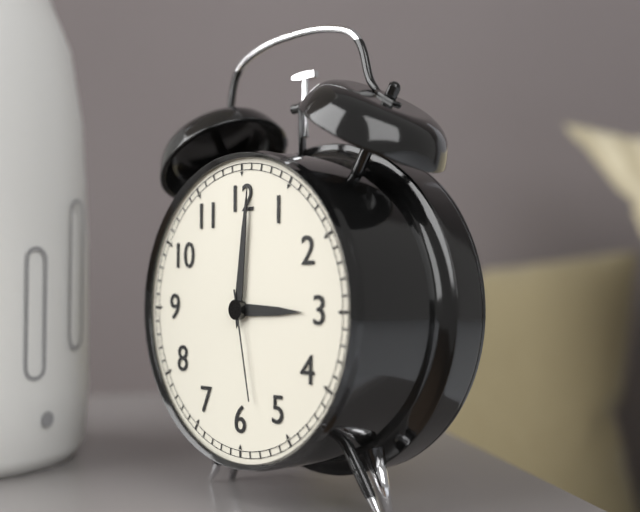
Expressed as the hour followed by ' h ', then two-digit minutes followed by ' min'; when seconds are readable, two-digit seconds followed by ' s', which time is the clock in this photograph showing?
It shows 3 h 01 min 28 s
